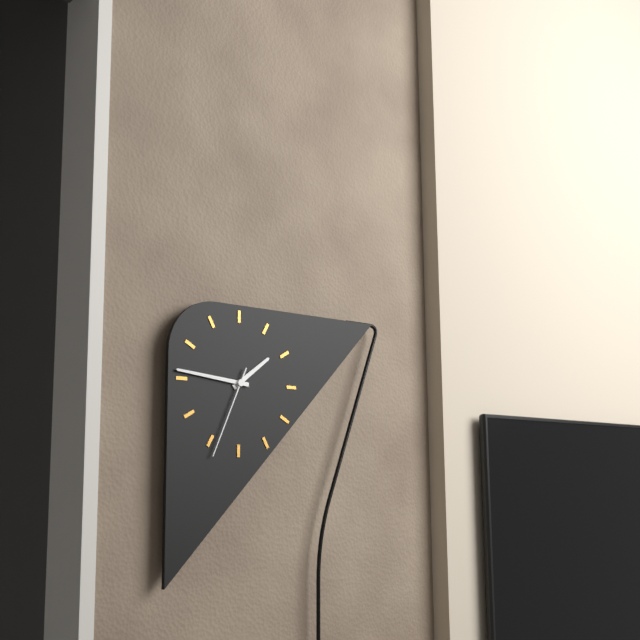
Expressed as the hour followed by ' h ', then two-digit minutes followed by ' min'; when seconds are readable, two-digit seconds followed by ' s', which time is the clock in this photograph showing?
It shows 1 h 46 min 34 s
